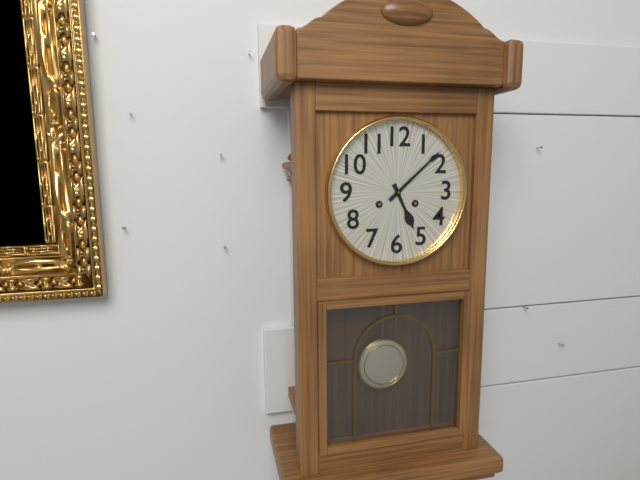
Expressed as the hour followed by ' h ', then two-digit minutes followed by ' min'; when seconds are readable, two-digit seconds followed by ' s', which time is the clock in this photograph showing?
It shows 5 h 08 min
